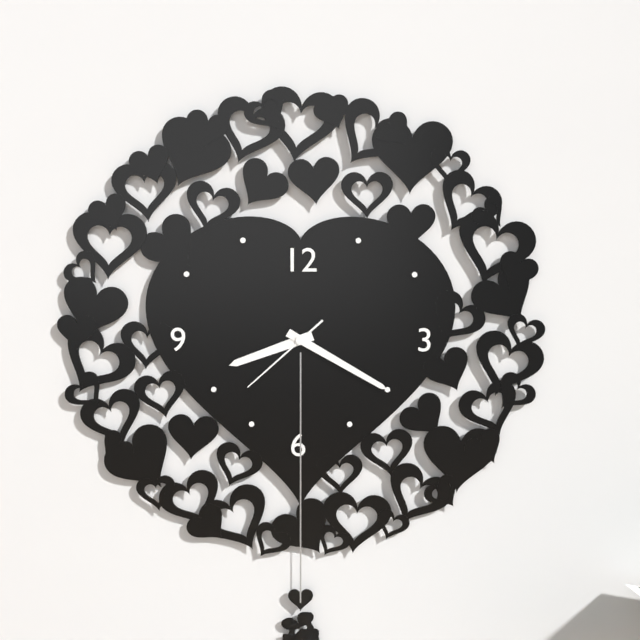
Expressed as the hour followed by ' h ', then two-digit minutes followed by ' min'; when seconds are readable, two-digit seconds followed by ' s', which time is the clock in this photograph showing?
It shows 8 h 20 min 38 s
